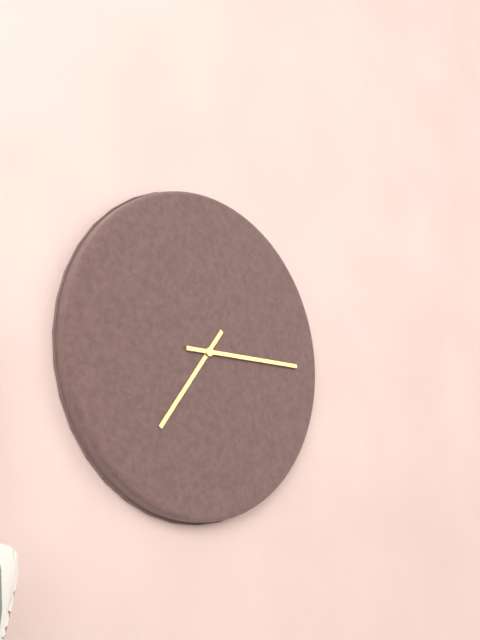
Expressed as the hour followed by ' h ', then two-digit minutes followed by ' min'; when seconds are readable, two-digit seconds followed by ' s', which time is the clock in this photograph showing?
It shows 7 h 15 min
